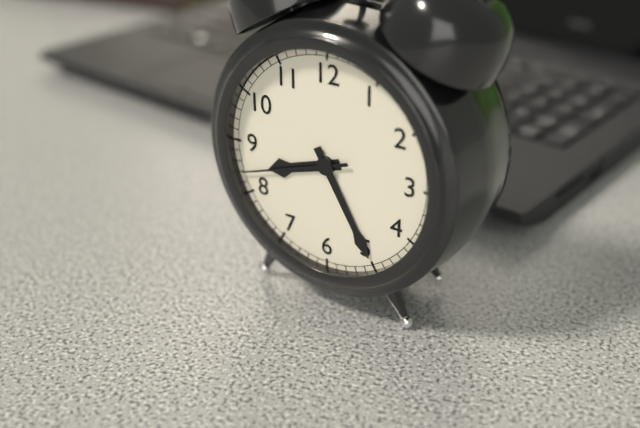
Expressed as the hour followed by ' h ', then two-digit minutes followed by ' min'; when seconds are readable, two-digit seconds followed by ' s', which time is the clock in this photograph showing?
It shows 8 h 25 min 42 s
